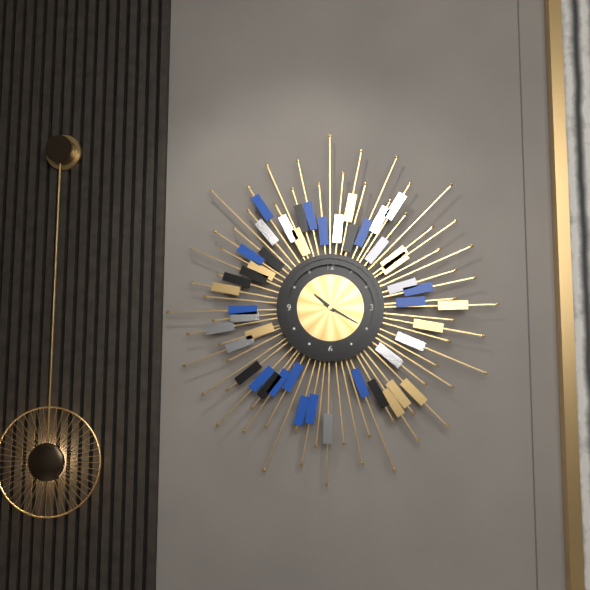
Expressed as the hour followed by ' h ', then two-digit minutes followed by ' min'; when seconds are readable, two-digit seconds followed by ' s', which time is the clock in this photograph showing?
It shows 10 h 20 min
